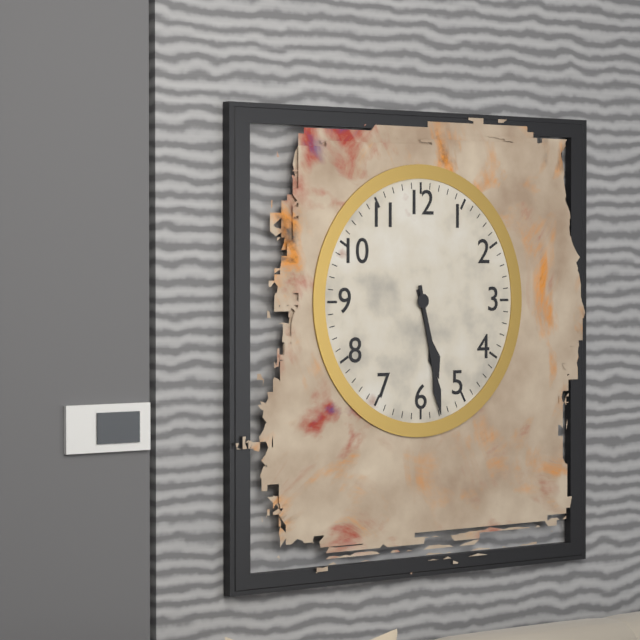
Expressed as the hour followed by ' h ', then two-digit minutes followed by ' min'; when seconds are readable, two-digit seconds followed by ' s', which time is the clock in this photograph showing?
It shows 5 h 28 min
